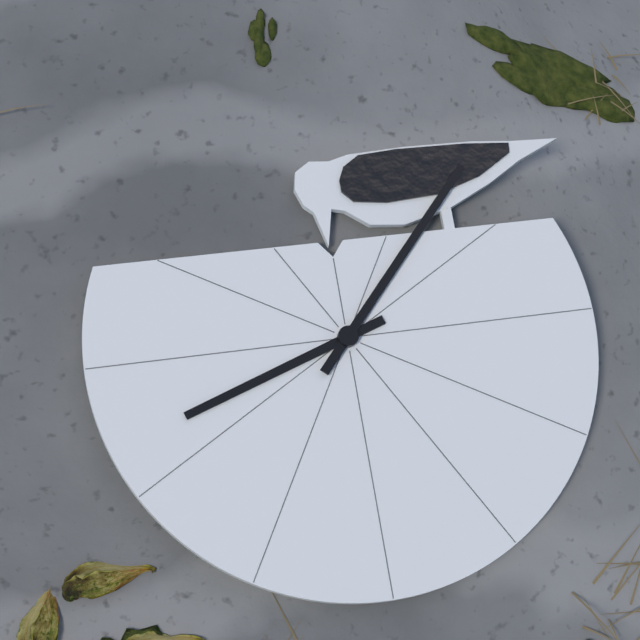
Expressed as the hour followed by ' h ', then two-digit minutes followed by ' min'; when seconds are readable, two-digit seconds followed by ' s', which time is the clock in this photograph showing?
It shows 11 h 22 min
